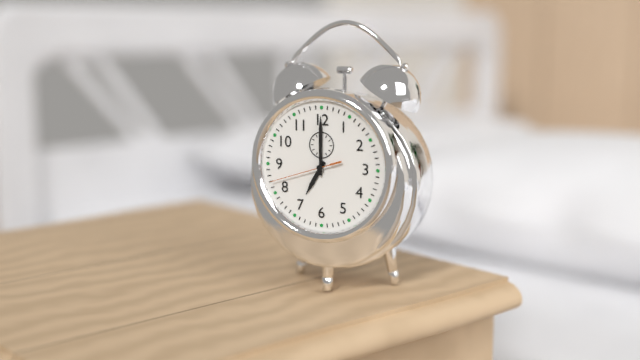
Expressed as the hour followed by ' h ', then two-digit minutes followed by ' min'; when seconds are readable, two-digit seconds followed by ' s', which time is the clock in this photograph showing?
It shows 7 h 00 min 42 s
